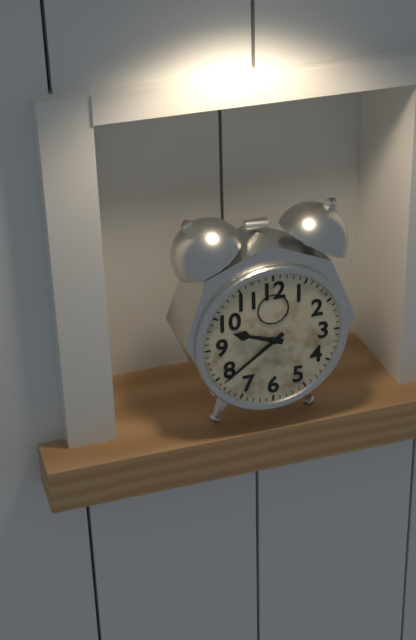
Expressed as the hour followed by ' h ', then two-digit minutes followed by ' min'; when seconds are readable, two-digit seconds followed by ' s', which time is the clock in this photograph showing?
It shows 9 h 39 min
